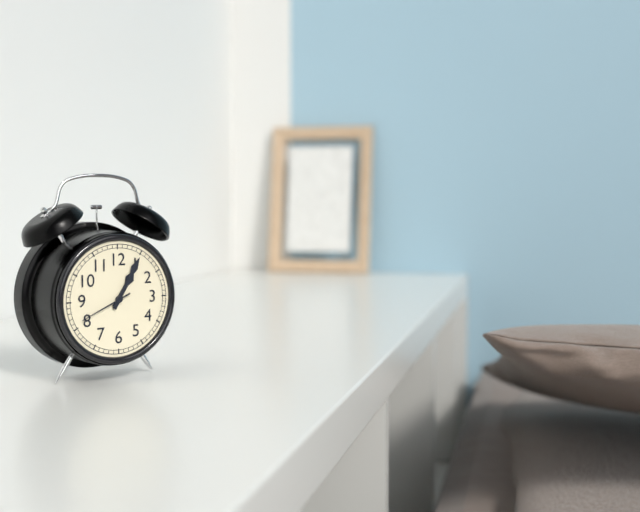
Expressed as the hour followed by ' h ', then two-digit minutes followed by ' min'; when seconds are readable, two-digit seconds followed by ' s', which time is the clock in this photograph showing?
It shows 1 h 05 min
